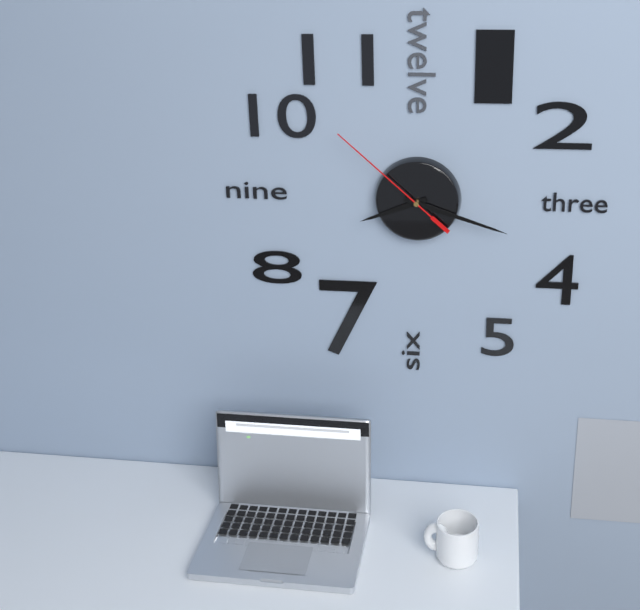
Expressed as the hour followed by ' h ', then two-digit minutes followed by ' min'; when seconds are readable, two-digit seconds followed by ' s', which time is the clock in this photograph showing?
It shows 8 h 18 min 52 s
